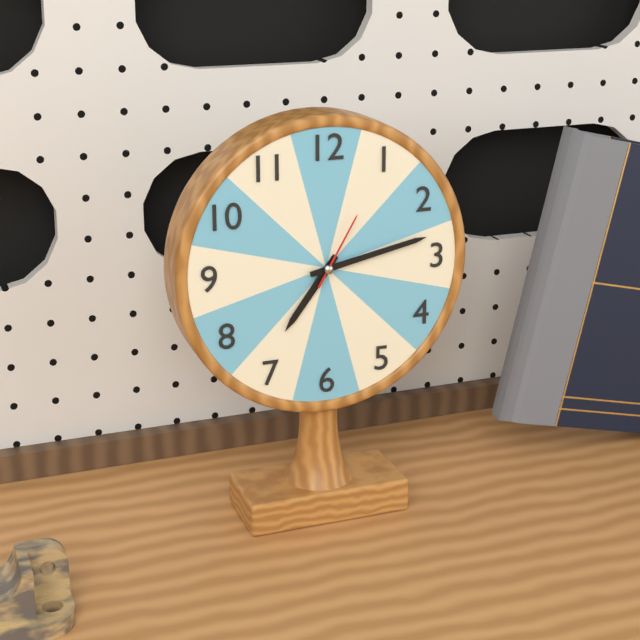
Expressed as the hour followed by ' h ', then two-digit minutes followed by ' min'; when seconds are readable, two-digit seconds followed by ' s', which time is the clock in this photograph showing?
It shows 7 h 13 min 05 s
